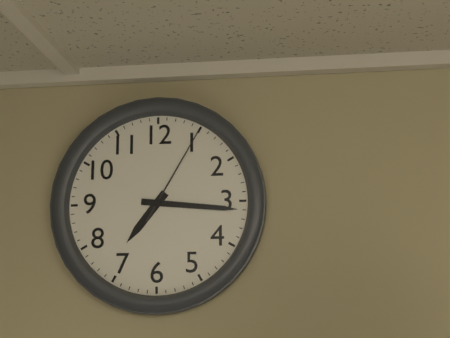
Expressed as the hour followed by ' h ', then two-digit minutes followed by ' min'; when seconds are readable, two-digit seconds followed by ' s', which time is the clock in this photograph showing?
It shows 7 h 16 min 05 s
